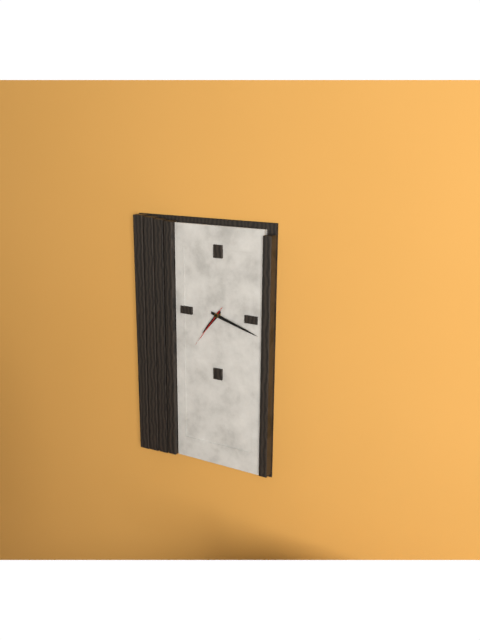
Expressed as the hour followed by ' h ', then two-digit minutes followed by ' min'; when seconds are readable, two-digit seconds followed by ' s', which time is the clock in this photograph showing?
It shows 7 h 18 min
